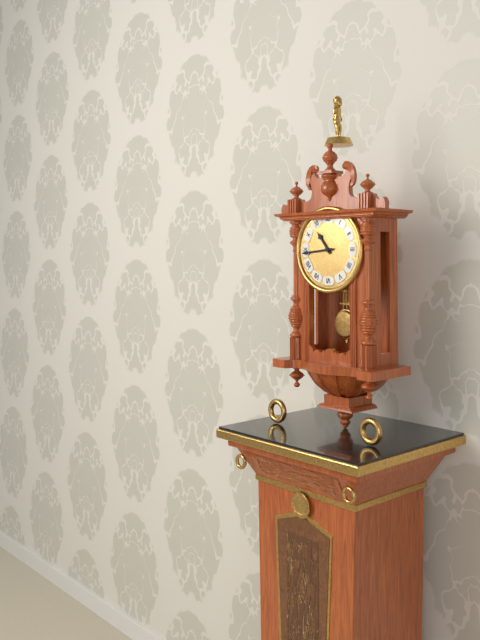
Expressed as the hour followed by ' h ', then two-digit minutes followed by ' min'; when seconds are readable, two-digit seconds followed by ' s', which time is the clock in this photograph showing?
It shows 10 h 44 min
